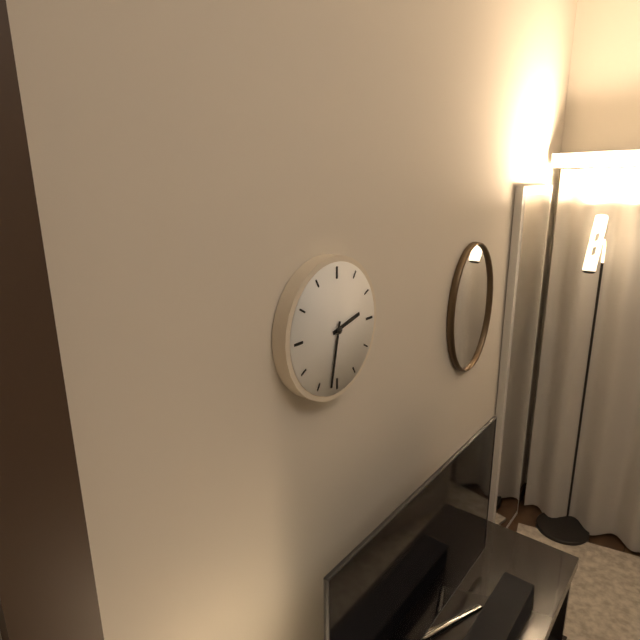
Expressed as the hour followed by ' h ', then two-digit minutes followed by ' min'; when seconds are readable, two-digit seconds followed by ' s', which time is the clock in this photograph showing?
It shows 2 h 32 min
